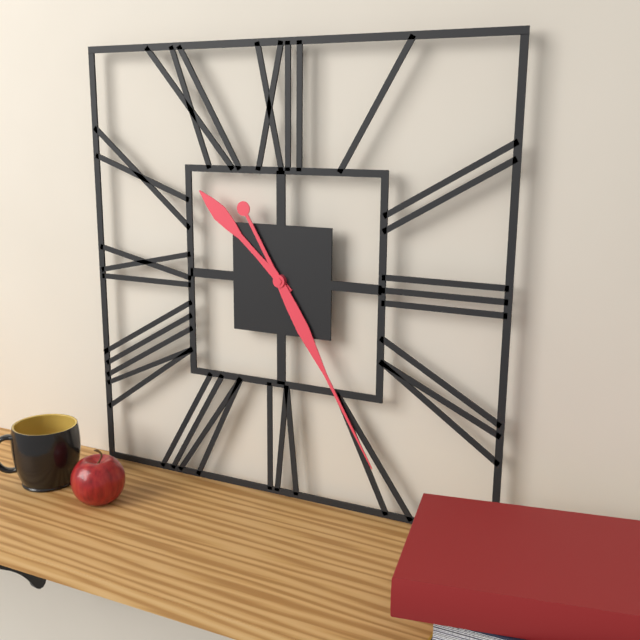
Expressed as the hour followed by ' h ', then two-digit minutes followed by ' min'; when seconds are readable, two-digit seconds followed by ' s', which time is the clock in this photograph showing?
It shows 10 h 25 min
